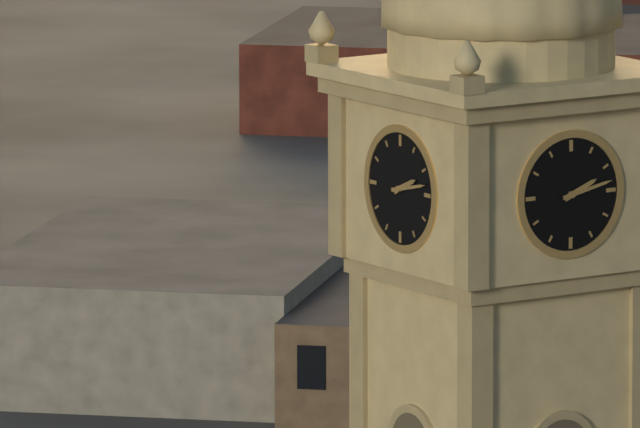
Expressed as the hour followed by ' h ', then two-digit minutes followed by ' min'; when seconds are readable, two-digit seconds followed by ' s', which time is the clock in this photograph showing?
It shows 2 h 13 min
